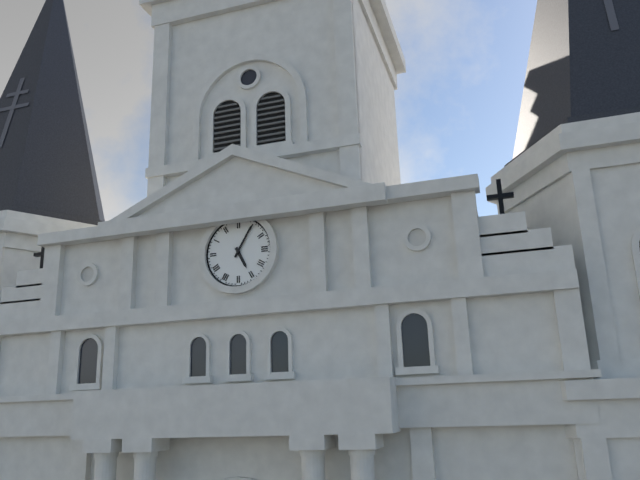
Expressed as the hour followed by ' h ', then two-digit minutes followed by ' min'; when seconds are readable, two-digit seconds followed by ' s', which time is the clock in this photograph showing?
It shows 5 h 05 min
